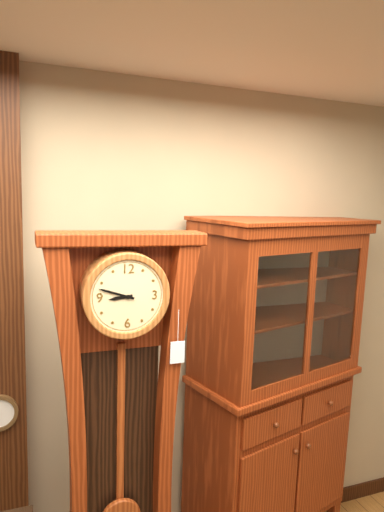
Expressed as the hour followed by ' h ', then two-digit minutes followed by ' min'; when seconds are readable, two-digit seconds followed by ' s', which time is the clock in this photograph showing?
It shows 8 h 48 min
